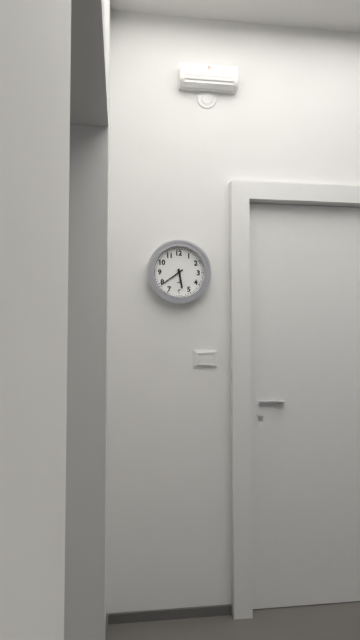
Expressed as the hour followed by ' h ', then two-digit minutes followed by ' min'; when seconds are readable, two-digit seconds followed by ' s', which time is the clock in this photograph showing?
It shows 5 h 39 min
